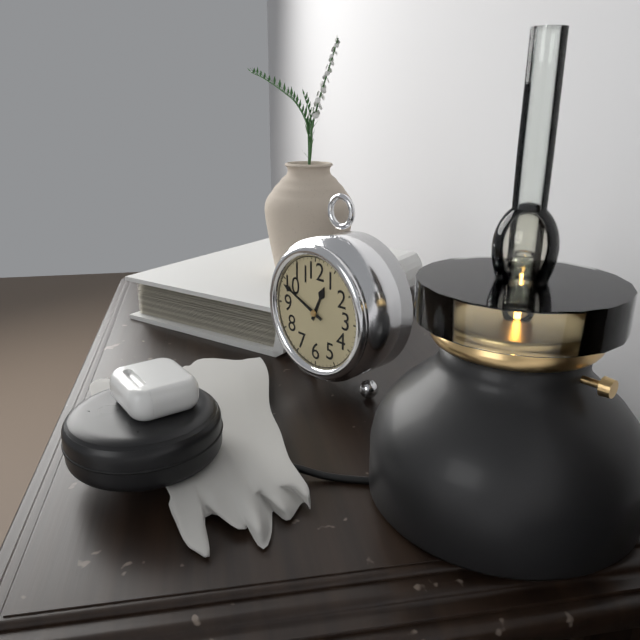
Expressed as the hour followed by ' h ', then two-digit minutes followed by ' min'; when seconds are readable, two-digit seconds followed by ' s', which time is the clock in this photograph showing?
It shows 12 h 49 min
